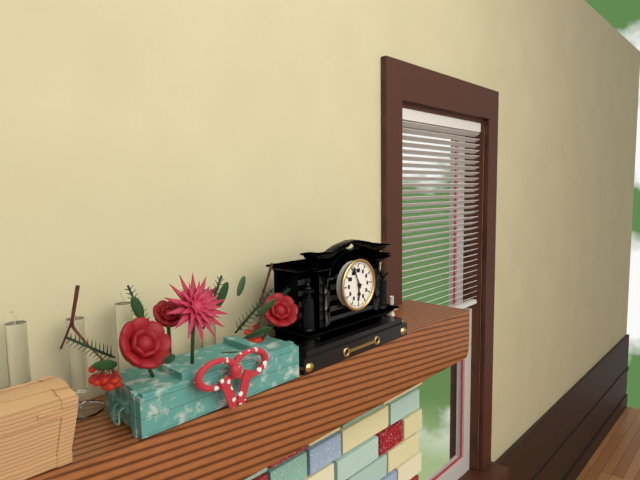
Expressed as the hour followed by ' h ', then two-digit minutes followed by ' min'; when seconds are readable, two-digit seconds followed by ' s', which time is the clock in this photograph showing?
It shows 5 h 56 min
